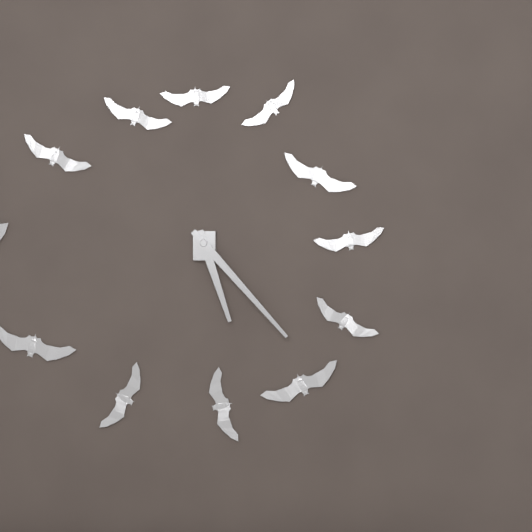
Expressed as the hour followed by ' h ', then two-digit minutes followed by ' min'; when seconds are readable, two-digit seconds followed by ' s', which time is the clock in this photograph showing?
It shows 5 h 23 min
